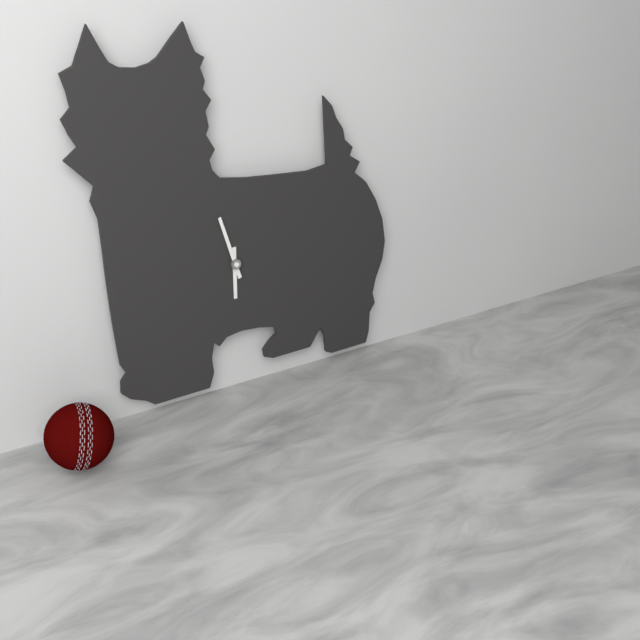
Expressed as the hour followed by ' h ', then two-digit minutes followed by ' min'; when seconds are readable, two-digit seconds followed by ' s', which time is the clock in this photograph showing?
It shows 5 h 57 min
